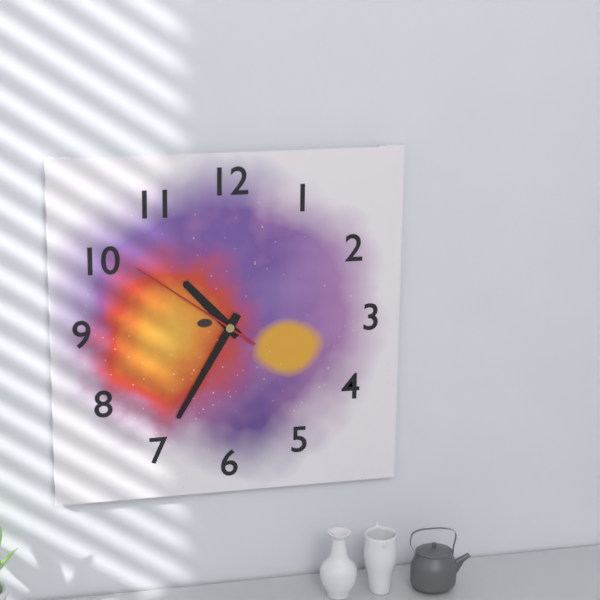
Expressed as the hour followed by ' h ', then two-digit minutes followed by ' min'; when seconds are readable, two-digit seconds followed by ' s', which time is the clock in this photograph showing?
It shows 10 h 35 min 51 s
